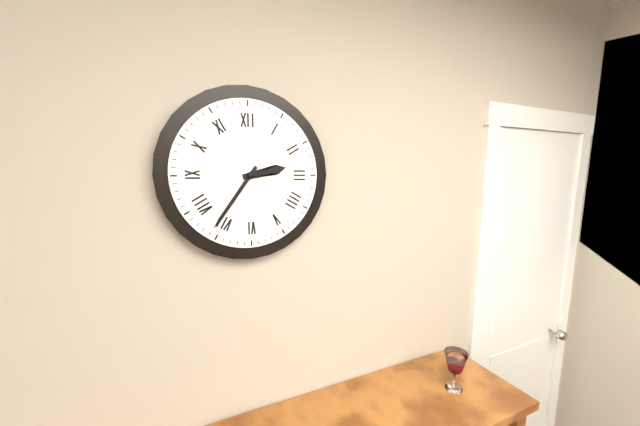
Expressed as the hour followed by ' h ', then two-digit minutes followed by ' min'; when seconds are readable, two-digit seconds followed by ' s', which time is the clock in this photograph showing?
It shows 2 h 36 min
